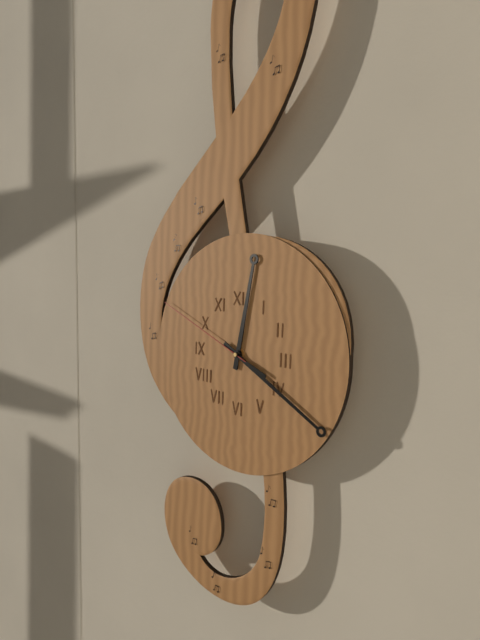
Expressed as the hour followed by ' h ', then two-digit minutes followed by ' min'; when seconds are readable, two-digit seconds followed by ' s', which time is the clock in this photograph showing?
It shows 12 h 20 min 49 s
